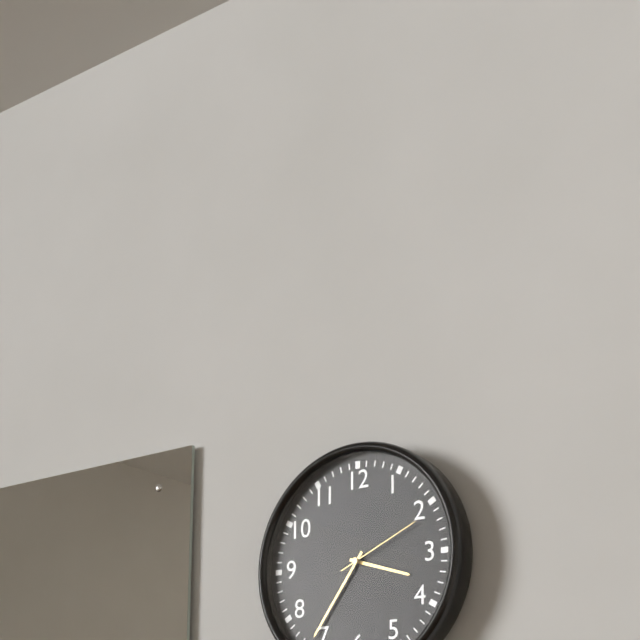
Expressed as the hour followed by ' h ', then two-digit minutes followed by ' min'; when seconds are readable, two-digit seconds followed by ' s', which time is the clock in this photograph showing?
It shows 3 h 36 min 11 s
